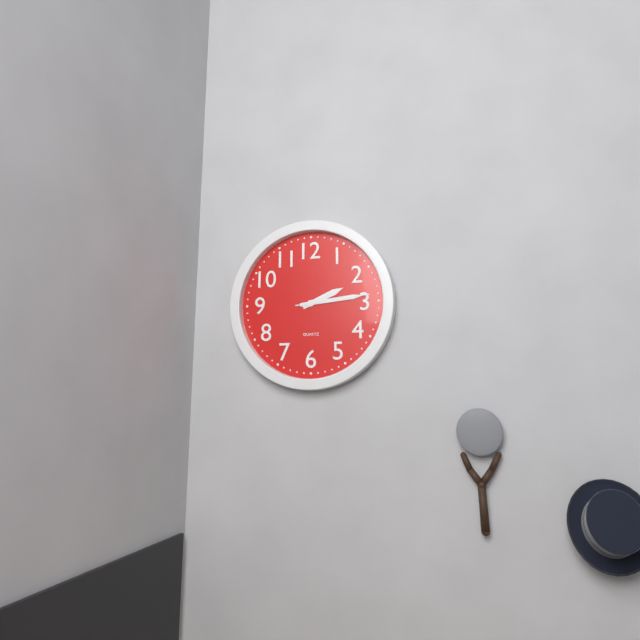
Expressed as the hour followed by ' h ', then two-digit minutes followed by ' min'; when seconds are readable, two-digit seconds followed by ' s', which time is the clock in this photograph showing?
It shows 2 h 14 min 14 s
